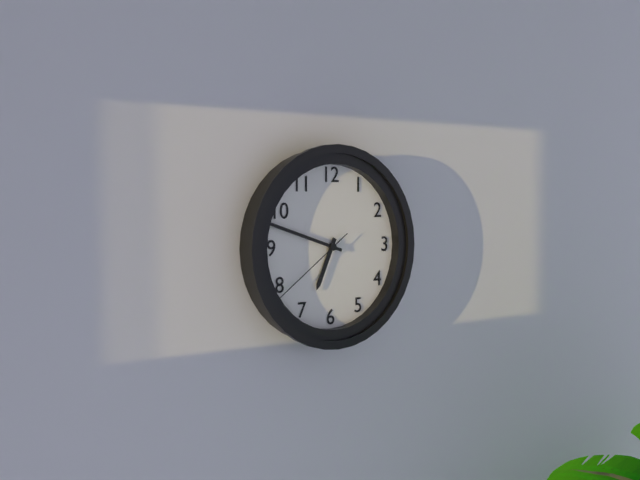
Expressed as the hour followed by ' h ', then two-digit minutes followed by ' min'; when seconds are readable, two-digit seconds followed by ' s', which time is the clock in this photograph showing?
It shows 6 h 48 min 39 s
